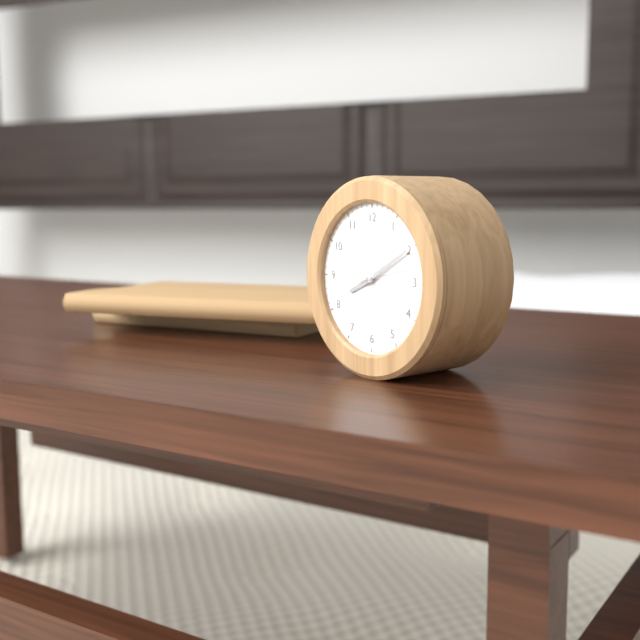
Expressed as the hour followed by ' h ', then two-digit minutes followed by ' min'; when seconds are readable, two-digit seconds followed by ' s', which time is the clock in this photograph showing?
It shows 8 h 10 min 13 s
